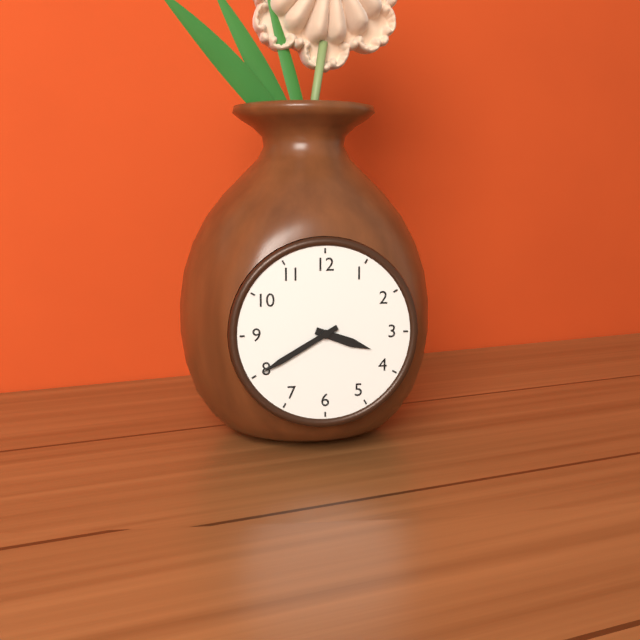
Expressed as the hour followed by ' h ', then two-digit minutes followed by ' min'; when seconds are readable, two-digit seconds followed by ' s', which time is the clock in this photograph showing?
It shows 3 h 40 min
